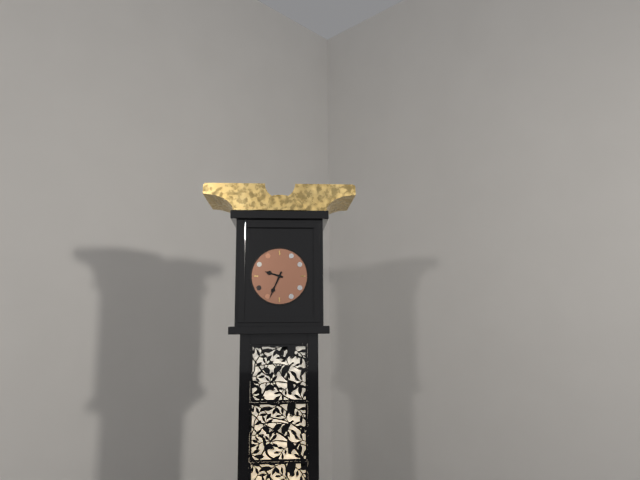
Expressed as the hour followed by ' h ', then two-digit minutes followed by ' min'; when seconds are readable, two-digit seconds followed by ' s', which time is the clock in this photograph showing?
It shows 9 h 34 min
